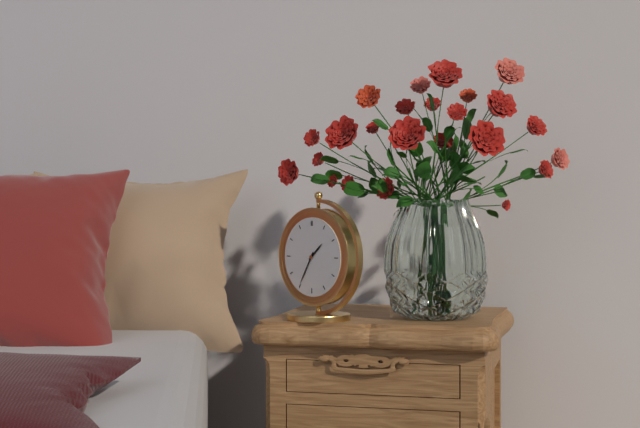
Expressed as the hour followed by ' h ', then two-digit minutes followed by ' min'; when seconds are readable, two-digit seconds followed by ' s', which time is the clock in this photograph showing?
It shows 1 h 35 min
